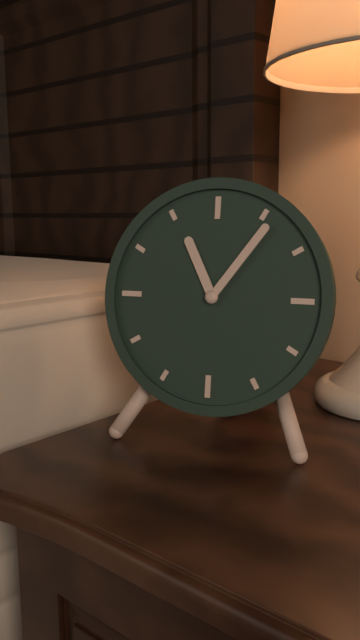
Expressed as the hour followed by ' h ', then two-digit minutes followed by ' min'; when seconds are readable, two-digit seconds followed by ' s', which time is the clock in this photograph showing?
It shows 11 h 06 min
